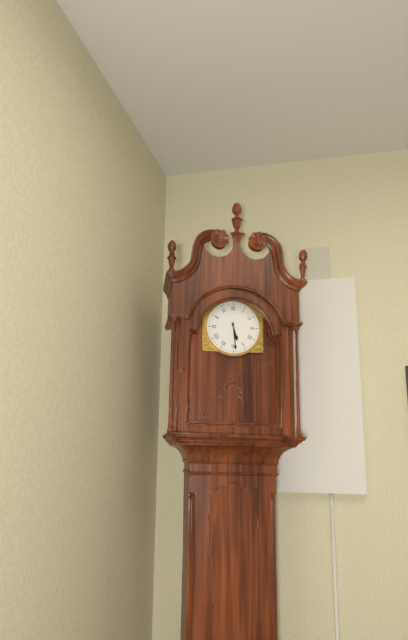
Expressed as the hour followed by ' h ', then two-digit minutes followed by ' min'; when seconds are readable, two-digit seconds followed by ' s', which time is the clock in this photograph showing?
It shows 5 h 29 min
